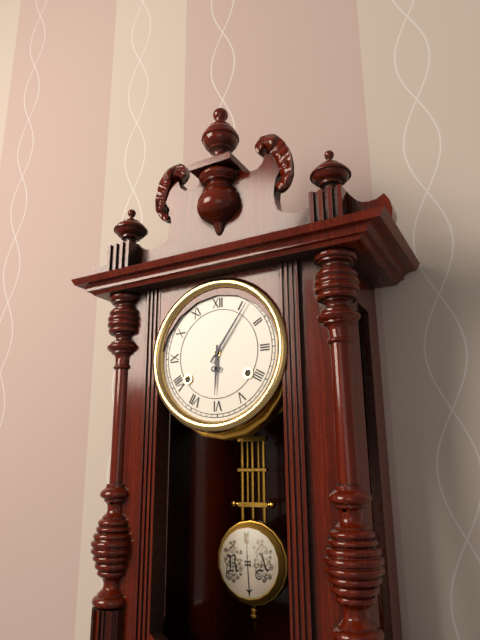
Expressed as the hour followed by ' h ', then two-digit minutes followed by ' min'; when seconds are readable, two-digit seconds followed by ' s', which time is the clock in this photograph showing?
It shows 6 h 06 min
